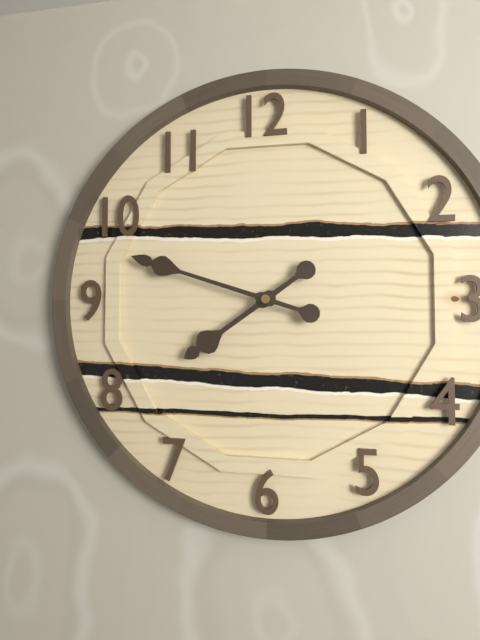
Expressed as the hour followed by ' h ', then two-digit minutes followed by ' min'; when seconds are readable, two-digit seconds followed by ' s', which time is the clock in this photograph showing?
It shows 7 h 48 min
